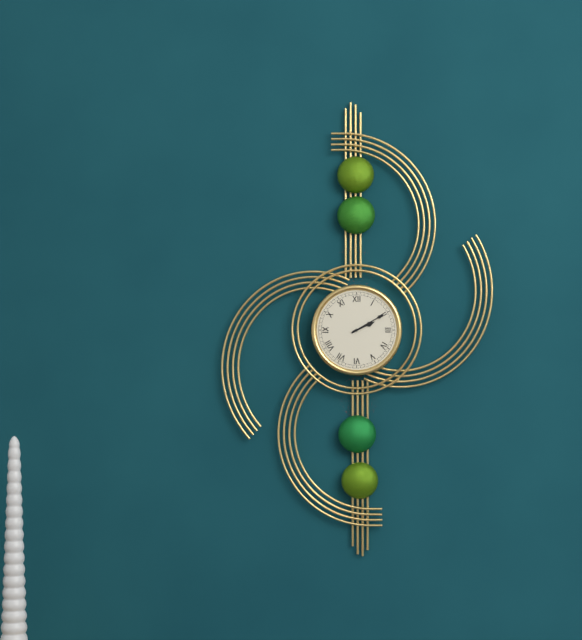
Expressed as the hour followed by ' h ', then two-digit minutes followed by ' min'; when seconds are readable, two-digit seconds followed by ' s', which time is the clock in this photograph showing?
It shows 2 h 10 min
